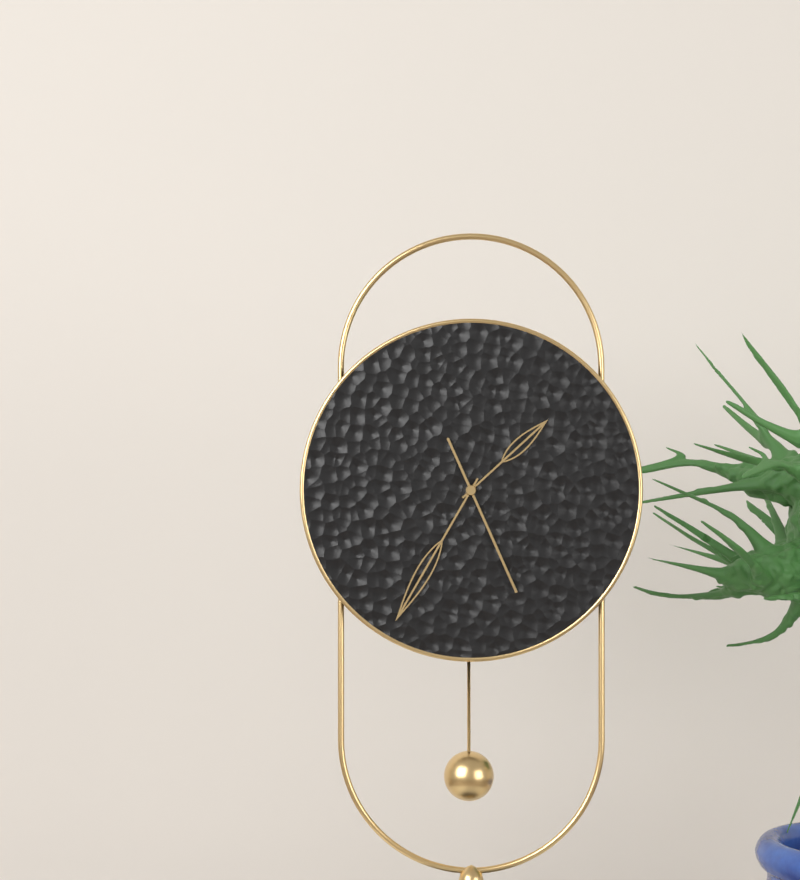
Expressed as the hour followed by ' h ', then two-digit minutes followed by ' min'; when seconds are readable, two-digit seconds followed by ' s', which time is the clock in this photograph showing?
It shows 1 h 35 min 26 s
